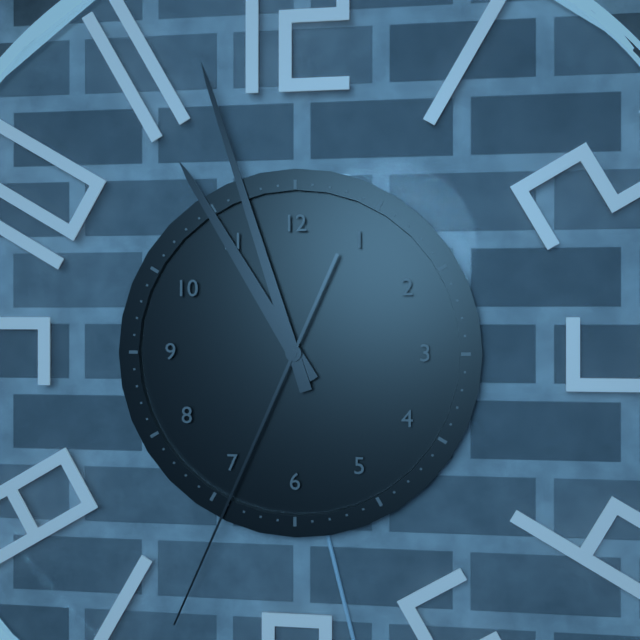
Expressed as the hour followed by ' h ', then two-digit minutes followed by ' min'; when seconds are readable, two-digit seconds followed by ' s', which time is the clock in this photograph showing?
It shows 10 h 57 min 34 s
